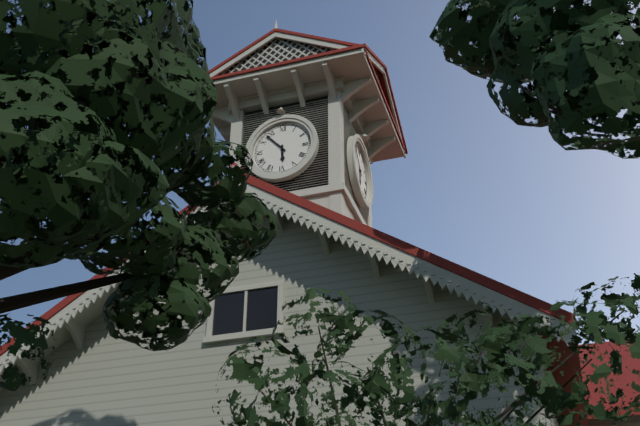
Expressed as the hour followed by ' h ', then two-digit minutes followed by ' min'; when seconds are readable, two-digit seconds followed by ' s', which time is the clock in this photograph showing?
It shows 5 h 53 min
